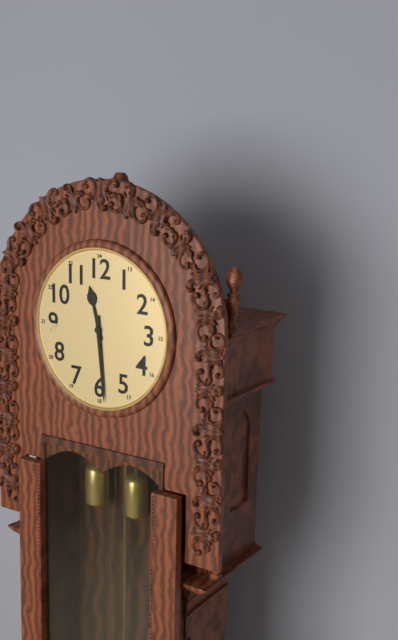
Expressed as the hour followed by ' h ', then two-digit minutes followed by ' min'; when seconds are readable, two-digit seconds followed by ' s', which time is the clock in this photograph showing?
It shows 11 h 29 min
